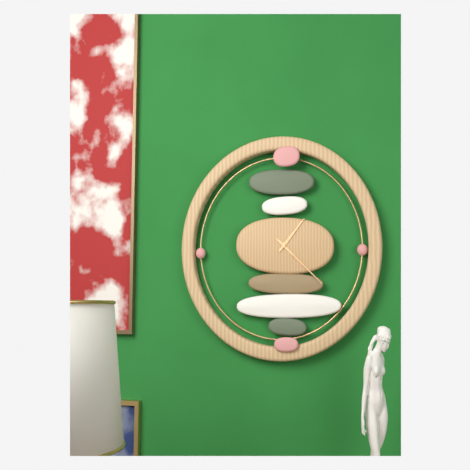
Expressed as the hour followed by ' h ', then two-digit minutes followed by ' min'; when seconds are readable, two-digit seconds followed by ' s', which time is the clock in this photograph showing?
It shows 1 h 22 min
